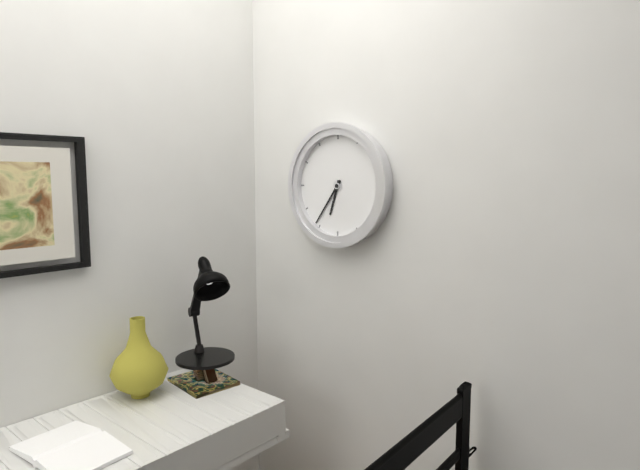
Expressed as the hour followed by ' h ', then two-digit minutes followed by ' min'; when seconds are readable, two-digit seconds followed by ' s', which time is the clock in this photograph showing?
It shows 6 h 36 min
